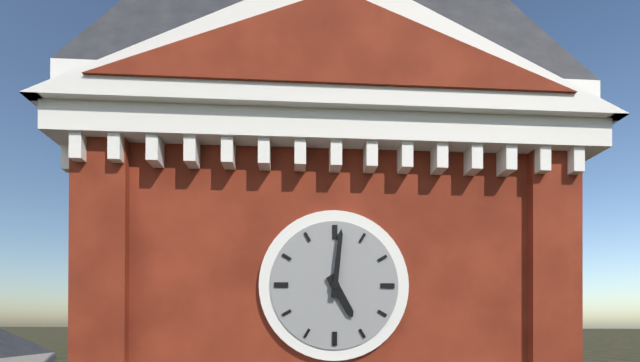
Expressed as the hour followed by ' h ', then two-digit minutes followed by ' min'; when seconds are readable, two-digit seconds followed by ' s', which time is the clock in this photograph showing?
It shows 5 h 01 min
